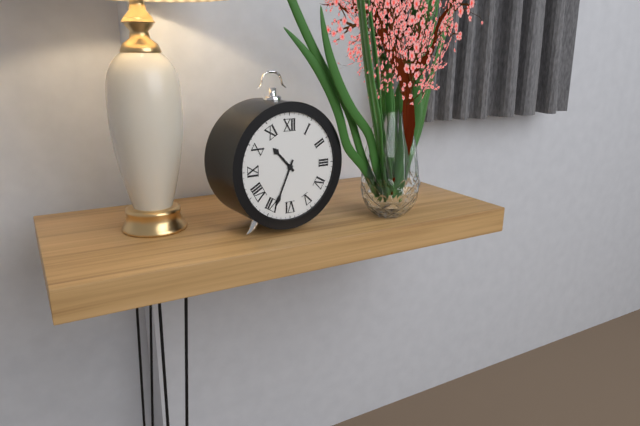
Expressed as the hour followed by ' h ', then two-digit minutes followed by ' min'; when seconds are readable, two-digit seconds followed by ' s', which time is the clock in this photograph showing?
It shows 10 h 34 min
